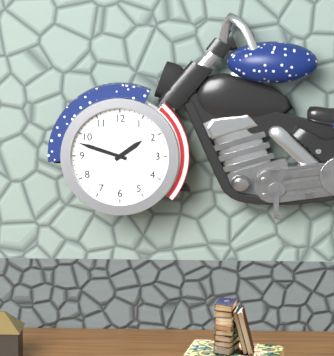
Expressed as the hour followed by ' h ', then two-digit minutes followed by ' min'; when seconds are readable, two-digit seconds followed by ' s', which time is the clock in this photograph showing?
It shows 1 h 48 min
